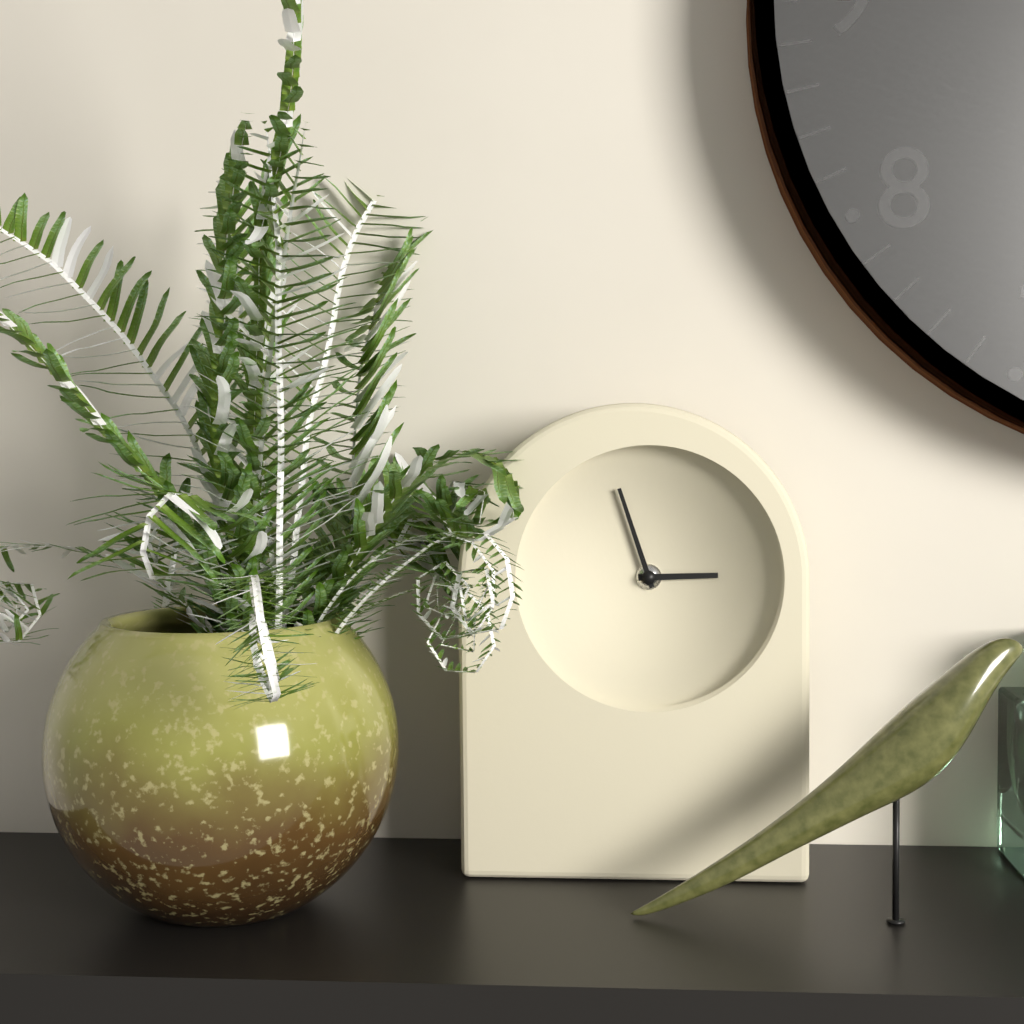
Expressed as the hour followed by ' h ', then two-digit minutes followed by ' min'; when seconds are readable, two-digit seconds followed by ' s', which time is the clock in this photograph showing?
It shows 2 h 57 min
